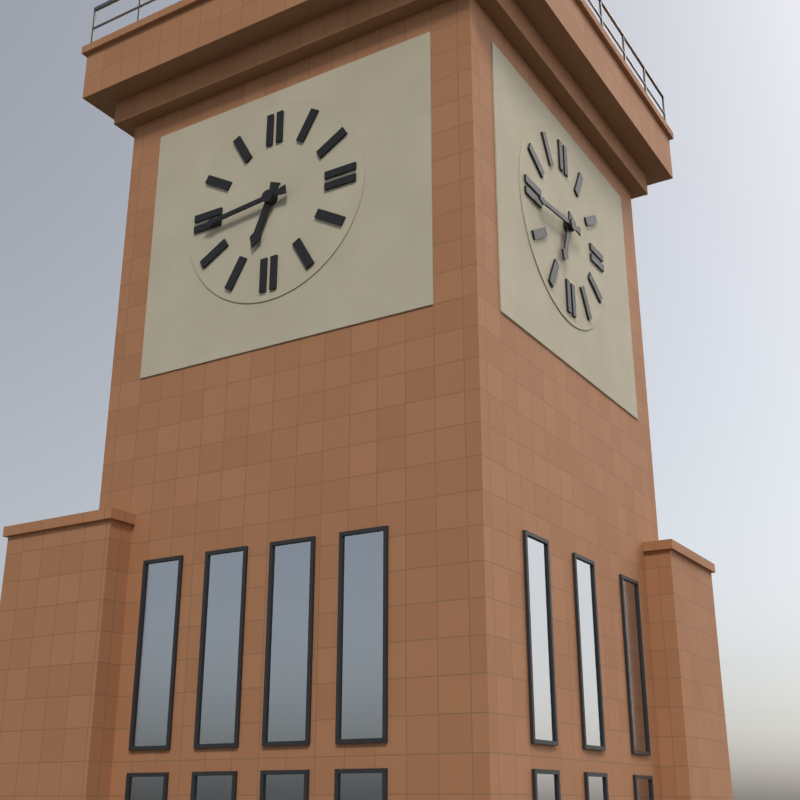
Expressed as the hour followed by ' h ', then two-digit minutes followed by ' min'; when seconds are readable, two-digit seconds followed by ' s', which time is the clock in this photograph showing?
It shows 6 h 44 min
